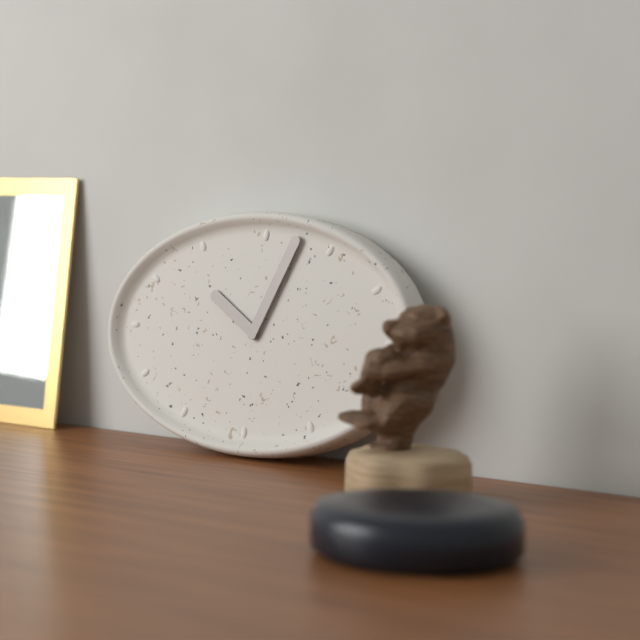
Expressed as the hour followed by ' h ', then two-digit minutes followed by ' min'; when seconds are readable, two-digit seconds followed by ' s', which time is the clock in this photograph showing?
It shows 10 h 04 min
